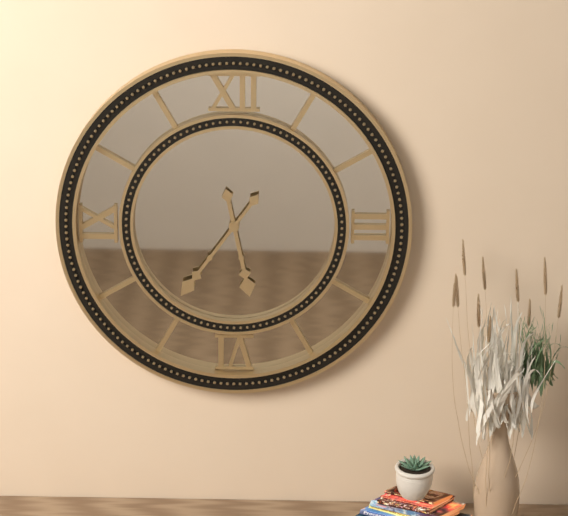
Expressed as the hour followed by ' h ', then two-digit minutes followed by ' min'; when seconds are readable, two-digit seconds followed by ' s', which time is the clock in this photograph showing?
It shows 5 h 36 min
